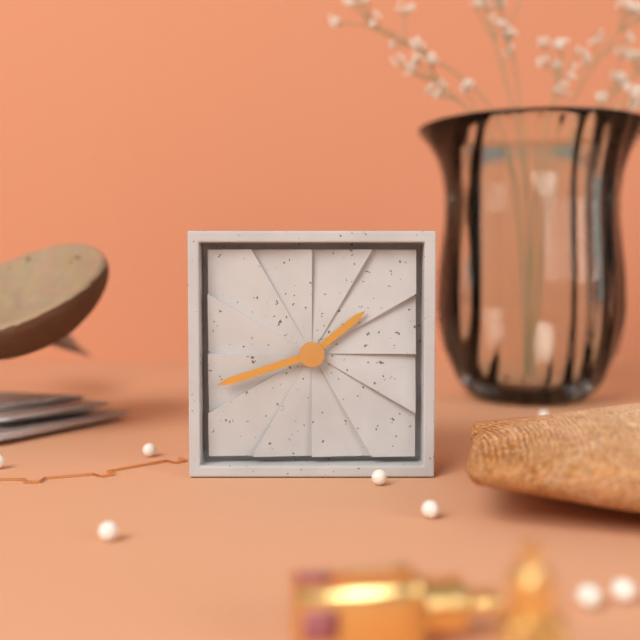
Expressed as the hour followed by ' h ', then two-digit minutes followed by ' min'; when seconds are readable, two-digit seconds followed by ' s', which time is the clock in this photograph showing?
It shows 1 h 42 min
